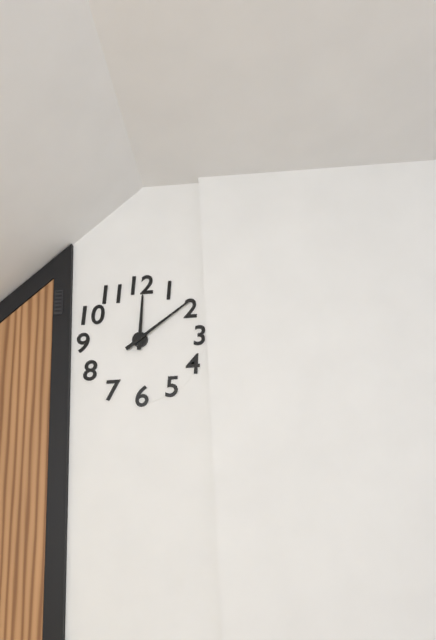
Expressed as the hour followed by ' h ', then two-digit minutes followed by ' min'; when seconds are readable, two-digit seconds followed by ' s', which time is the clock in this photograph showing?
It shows 12 h 09 min
